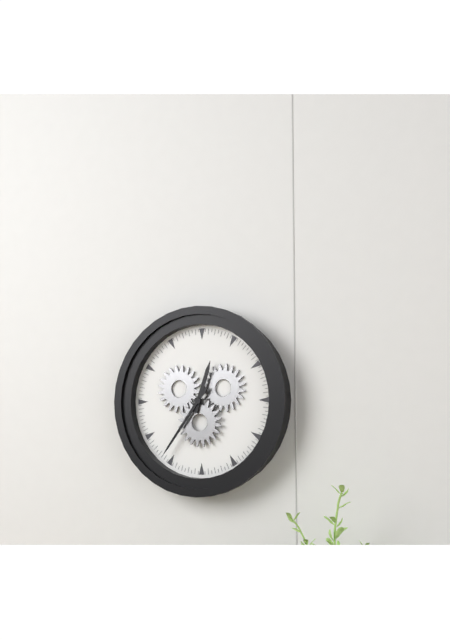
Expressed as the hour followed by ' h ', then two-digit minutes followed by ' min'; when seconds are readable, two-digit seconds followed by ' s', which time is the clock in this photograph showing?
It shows 12 h 36 min
